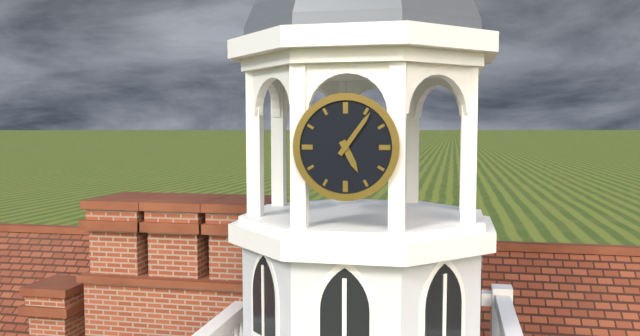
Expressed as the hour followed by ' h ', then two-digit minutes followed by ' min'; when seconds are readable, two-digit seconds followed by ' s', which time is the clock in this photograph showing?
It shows 5 h 06 min
